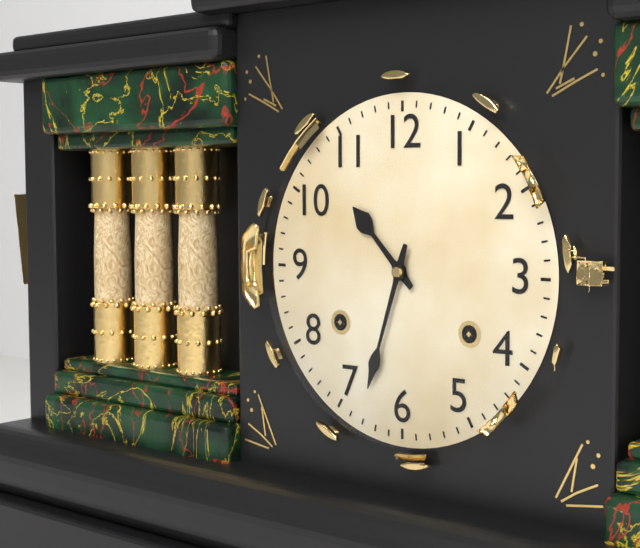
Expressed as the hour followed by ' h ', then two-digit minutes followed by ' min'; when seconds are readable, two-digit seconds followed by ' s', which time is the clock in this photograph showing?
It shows 10 h 33 min
